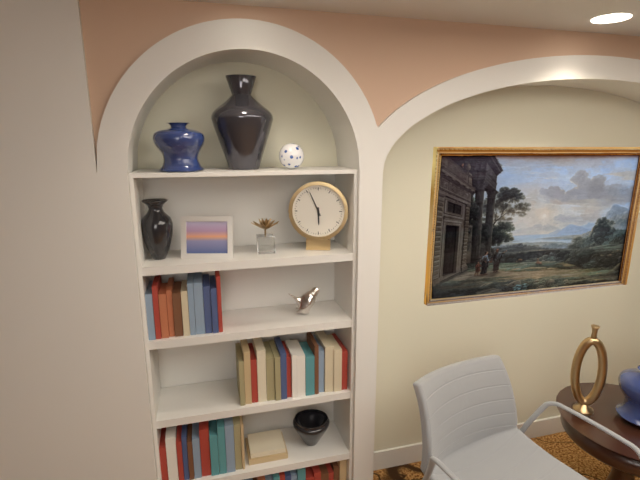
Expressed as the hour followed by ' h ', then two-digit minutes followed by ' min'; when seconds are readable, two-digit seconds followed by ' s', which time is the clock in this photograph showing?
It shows 5 h 56 min
